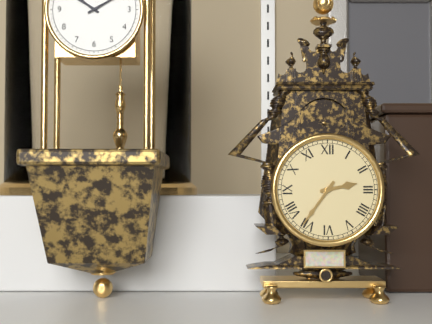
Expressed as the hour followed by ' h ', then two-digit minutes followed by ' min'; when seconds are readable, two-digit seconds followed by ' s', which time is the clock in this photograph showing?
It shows 2 h 36 min
